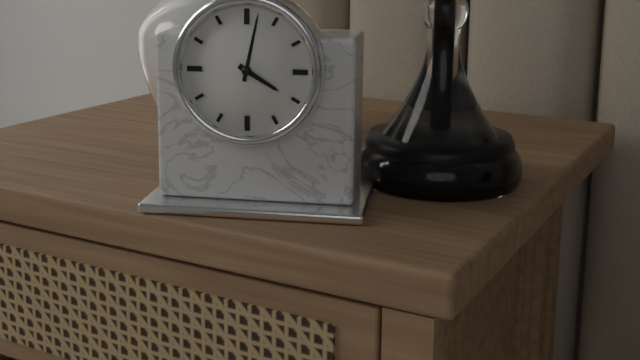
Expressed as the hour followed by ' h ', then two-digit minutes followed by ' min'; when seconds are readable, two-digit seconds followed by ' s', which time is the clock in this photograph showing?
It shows 4 h 02 min
